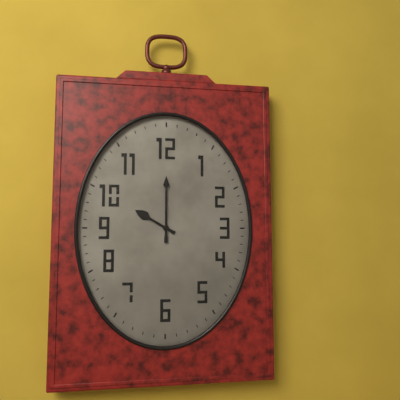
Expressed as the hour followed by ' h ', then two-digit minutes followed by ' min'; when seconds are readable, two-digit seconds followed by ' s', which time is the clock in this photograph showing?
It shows 10 h 00 min
